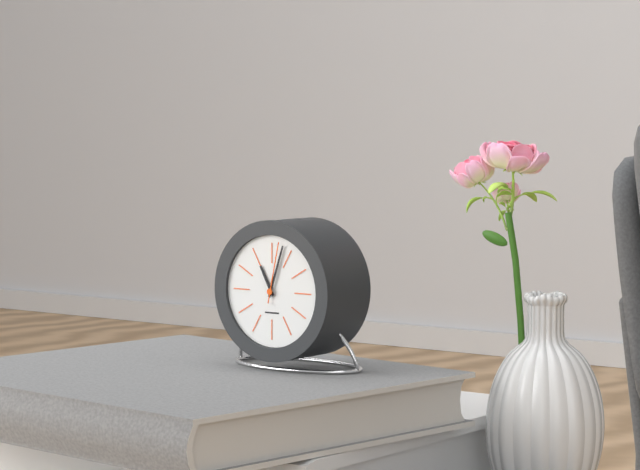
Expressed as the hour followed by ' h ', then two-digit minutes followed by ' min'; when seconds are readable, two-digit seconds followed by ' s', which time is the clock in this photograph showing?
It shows 11 h 03 min 02 s
